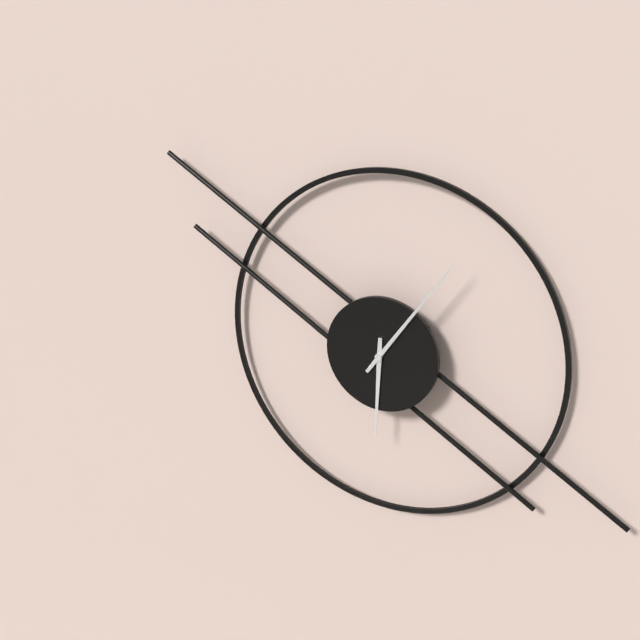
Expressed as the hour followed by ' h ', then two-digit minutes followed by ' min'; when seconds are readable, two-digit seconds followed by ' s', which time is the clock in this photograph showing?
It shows 6 h 06 min
